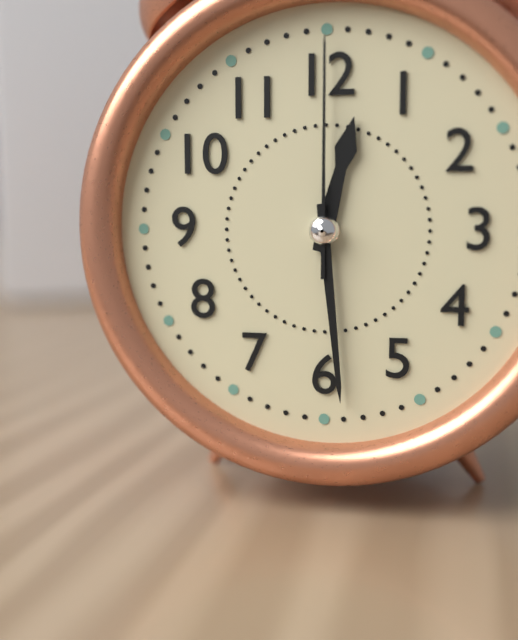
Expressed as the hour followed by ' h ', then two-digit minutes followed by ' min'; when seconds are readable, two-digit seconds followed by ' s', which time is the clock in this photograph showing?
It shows 12 h 29 min 00 s
